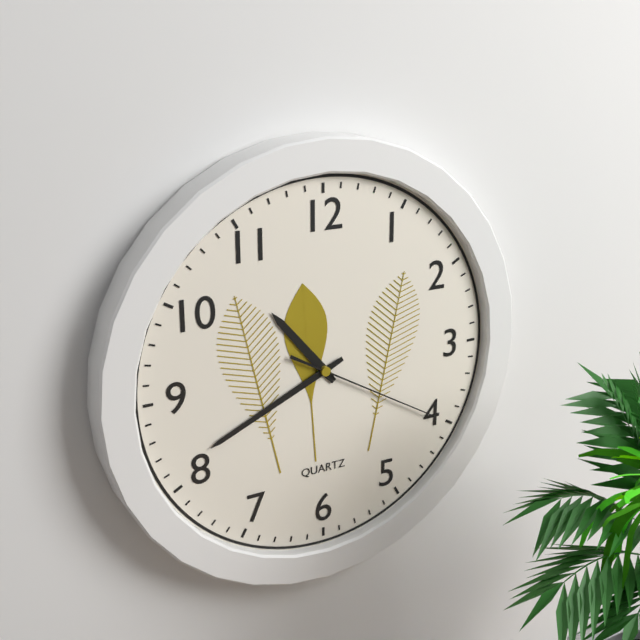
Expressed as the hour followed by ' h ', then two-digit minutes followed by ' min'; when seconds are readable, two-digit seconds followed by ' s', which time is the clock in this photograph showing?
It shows 10 h 41 min 20 s
